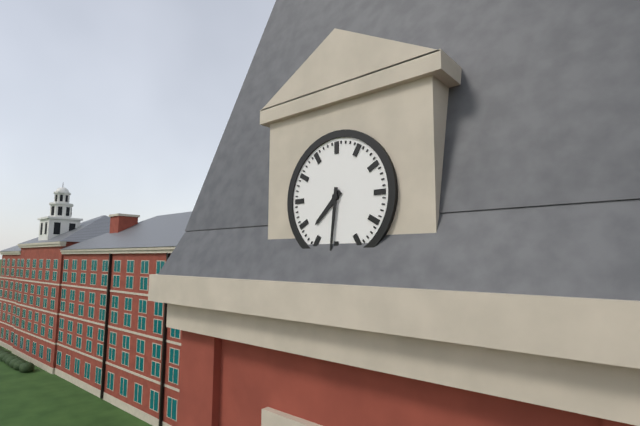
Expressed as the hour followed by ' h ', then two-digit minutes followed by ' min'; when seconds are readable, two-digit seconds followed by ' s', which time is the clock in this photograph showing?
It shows 7 h 31 min
